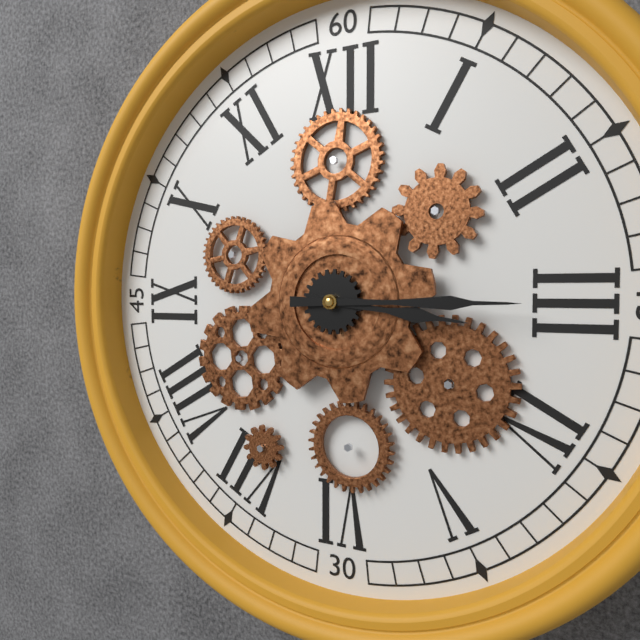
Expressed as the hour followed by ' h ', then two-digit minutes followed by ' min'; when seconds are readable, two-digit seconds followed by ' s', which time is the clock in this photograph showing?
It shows 3 h 15 min
